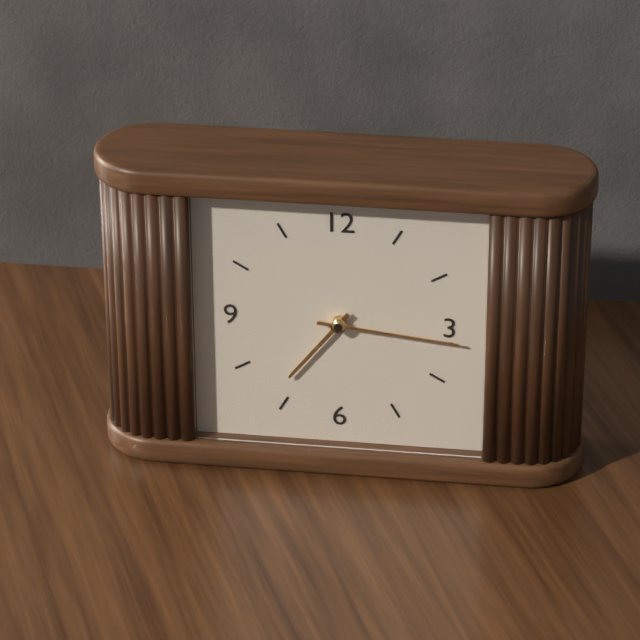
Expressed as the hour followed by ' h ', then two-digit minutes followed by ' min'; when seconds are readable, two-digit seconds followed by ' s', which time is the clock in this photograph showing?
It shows 7 h 16 min
